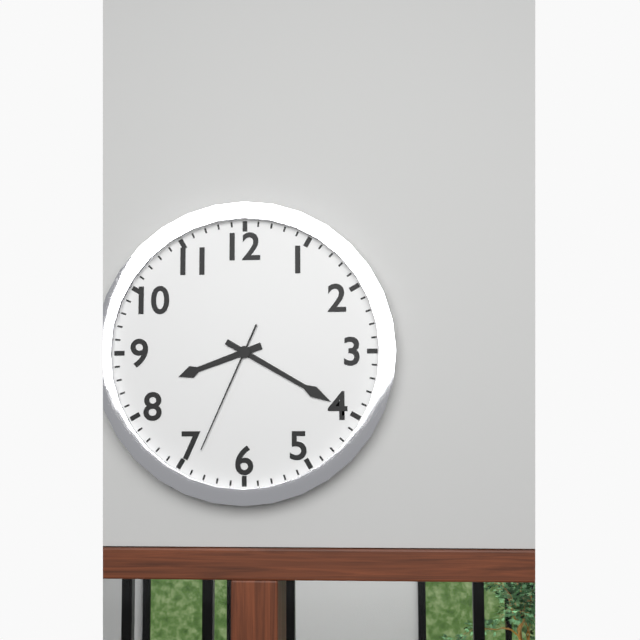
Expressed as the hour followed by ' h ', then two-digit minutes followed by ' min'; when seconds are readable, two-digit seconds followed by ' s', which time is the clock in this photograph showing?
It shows 8 h 20 min 34 s
